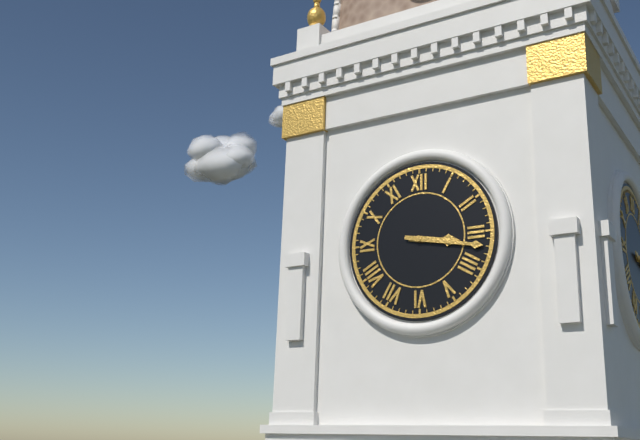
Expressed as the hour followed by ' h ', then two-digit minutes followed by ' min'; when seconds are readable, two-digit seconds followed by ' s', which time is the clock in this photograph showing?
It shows 3 h 17 min
